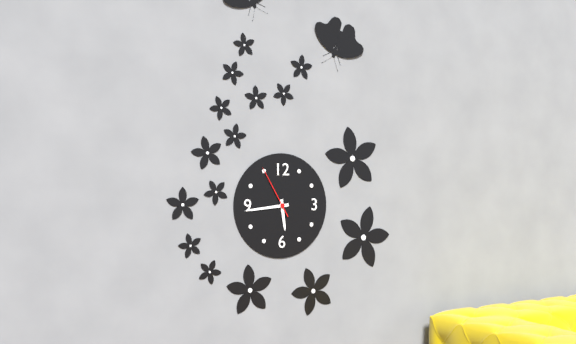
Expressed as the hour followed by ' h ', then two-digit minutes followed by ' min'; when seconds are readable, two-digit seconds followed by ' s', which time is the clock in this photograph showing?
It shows 5 h 44 min 55 s
